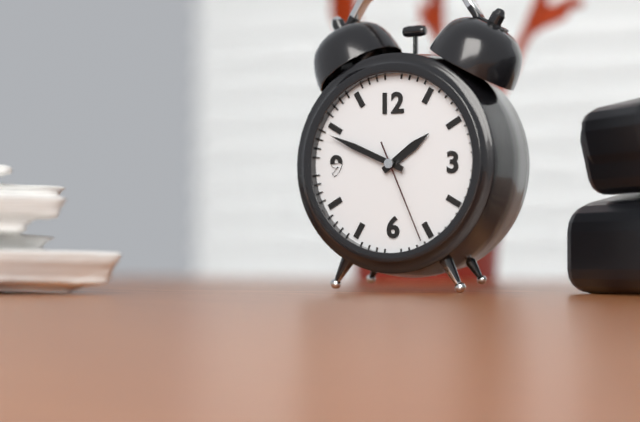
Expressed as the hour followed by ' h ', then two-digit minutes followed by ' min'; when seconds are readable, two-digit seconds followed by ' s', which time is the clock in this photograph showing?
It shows 1 h 49 min 26 s
